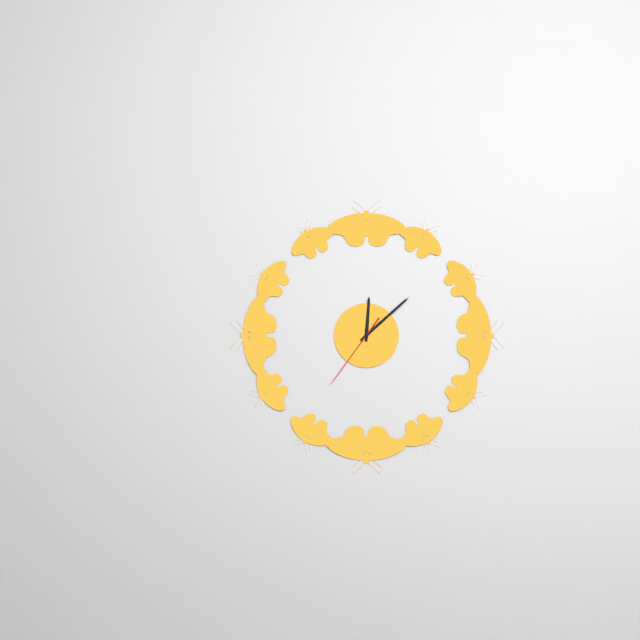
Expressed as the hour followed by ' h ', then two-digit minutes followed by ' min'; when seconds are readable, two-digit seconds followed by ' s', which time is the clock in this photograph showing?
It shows 12 h 08 min 36 s
